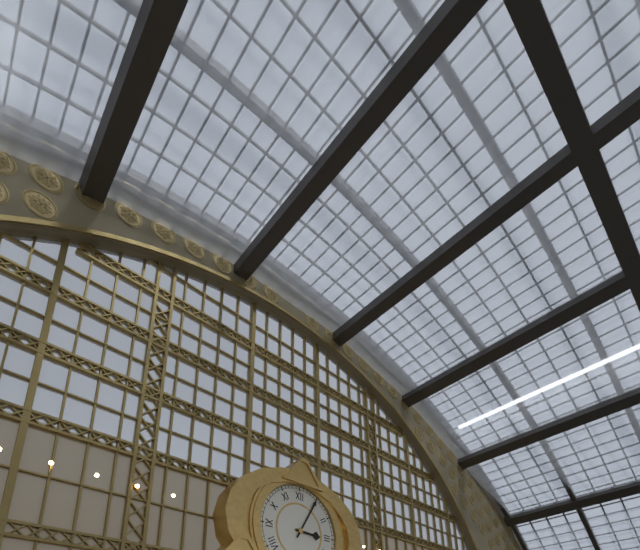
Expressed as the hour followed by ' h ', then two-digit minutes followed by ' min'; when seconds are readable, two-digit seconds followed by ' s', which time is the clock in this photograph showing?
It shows 3 h 05 min
